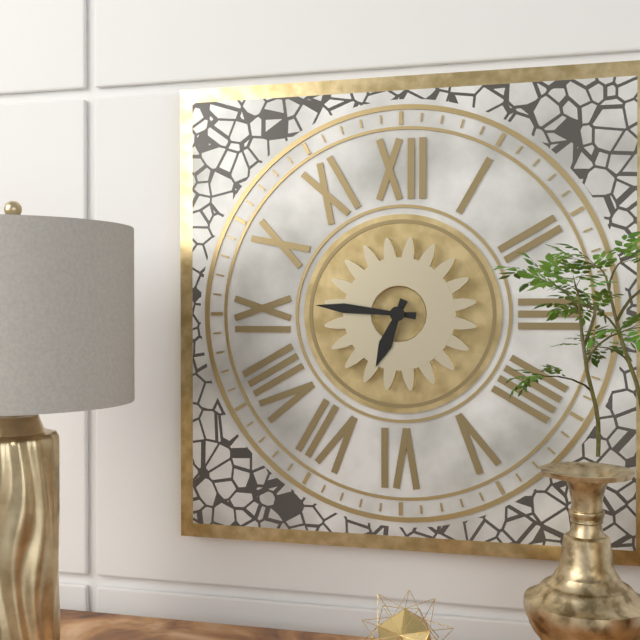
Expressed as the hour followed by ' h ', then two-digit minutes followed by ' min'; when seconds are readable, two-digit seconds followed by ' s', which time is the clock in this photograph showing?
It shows 6 h 46 min
